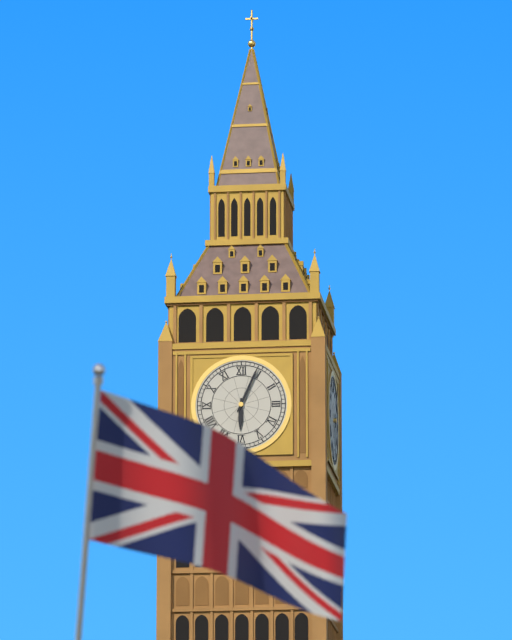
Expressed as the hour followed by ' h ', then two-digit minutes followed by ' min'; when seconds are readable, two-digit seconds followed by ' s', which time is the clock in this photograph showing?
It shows 6 h 04 min
